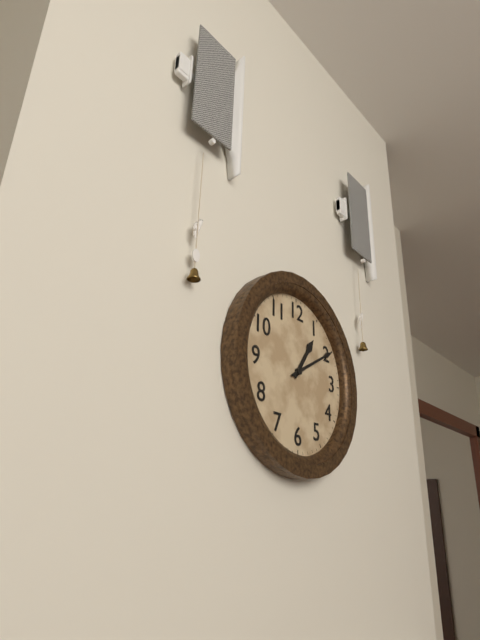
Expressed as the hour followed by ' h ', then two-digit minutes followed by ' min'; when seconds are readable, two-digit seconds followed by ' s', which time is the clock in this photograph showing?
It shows 1 h 10 min
